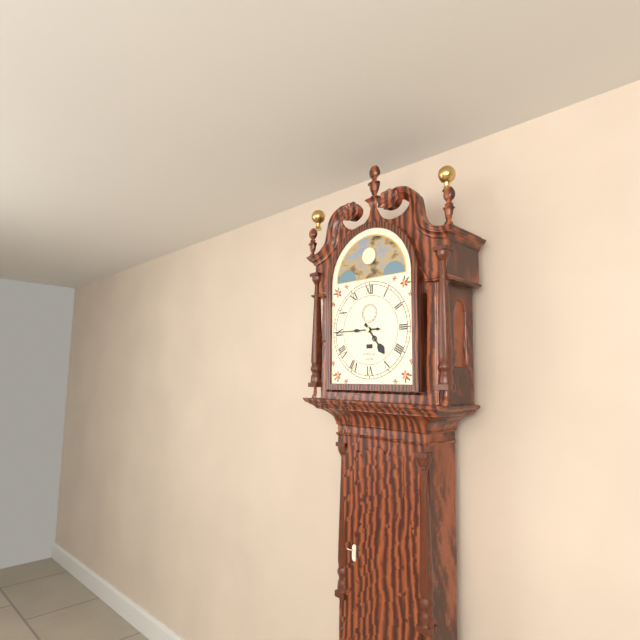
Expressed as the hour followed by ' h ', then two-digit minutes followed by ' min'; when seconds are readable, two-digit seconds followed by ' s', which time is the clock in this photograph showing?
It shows 4 h 45 min
